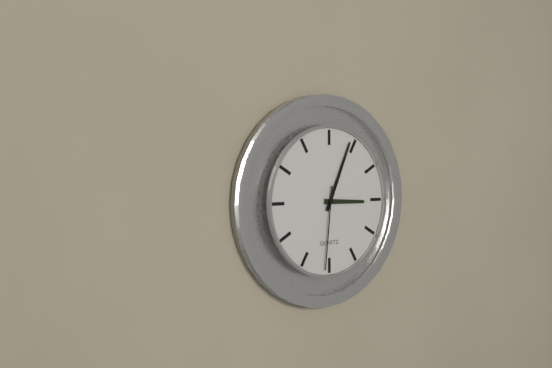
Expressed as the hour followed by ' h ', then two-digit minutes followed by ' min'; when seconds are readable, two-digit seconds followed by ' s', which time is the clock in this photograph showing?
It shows 3 h 04 min 31 s
